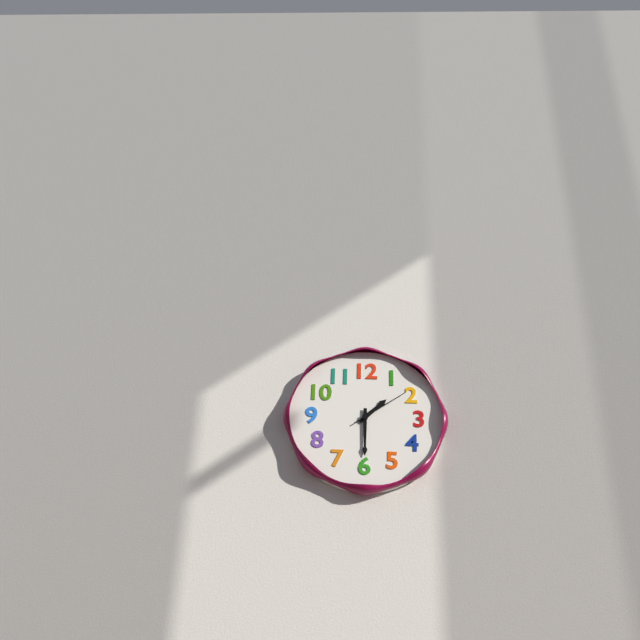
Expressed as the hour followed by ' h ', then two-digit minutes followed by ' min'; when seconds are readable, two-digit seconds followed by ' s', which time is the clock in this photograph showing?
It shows 1 h 30 min 09 s
